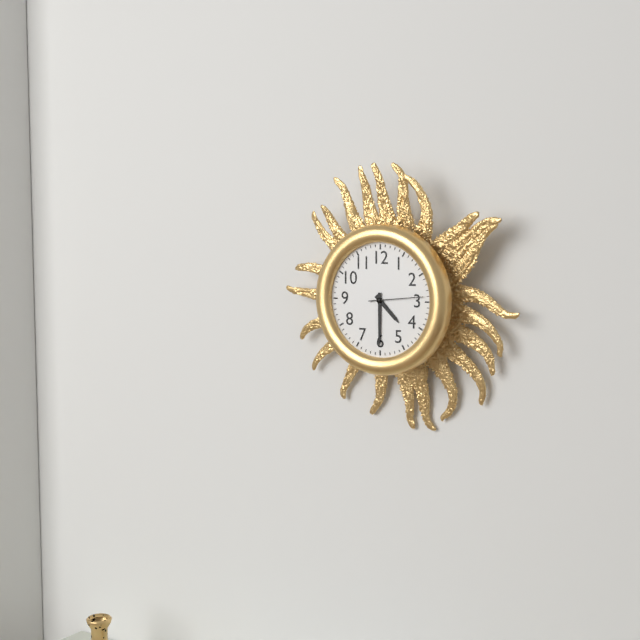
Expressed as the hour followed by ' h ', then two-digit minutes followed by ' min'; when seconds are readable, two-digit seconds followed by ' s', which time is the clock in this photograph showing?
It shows 4 h 30 min 14 s
